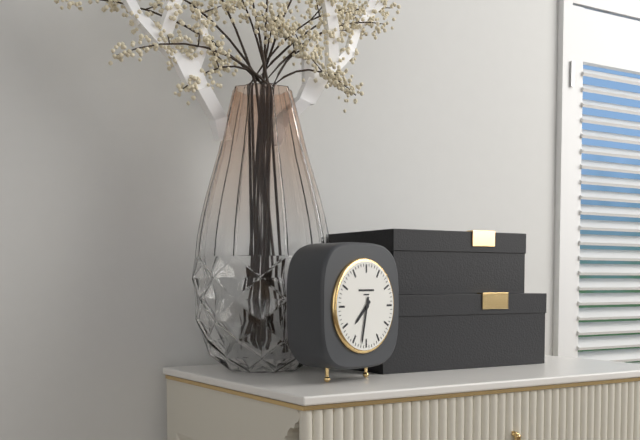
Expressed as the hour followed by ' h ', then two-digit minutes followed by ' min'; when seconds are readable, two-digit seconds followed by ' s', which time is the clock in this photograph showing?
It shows 7 h 32 min
